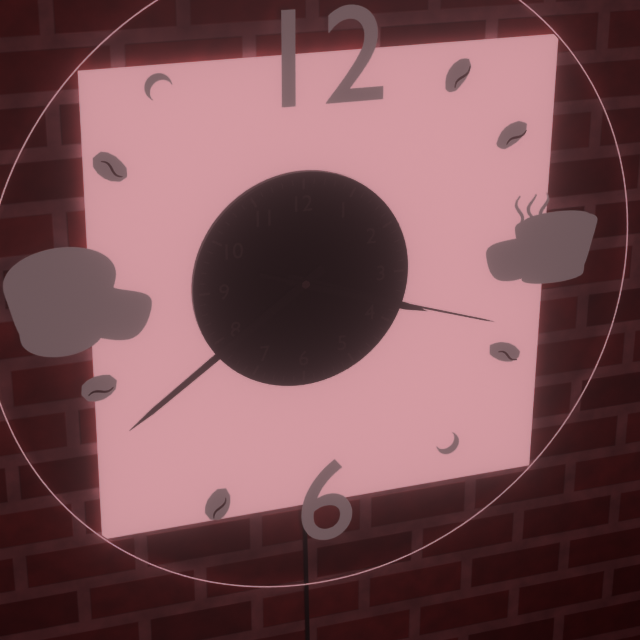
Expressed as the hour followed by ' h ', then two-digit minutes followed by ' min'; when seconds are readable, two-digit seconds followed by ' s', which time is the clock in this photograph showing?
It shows 3 h 39 min 18 s
